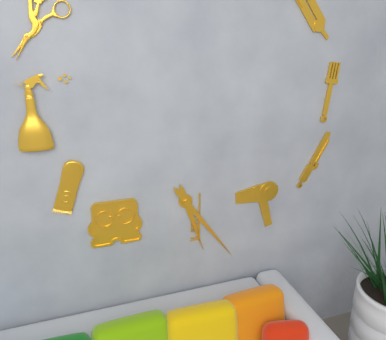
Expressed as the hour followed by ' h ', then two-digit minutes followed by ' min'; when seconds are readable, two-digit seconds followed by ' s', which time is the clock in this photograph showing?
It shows 5 h 24 min
